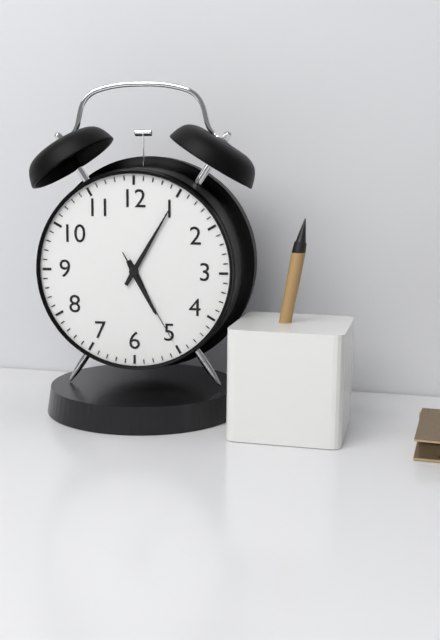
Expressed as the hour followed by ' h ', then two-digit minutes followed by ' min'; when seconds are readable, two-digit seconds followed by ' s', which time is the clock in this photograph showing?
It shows 5 h 05 min 25 s
